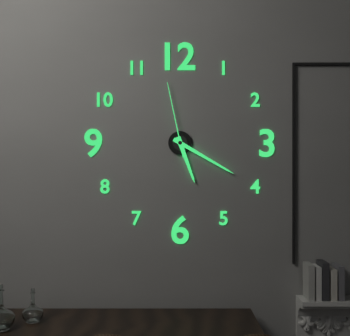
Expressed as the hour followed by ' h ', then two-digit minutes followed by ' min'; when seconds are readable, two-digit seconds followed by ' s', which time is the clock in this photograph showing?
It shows 5 h 20 min 58 s
